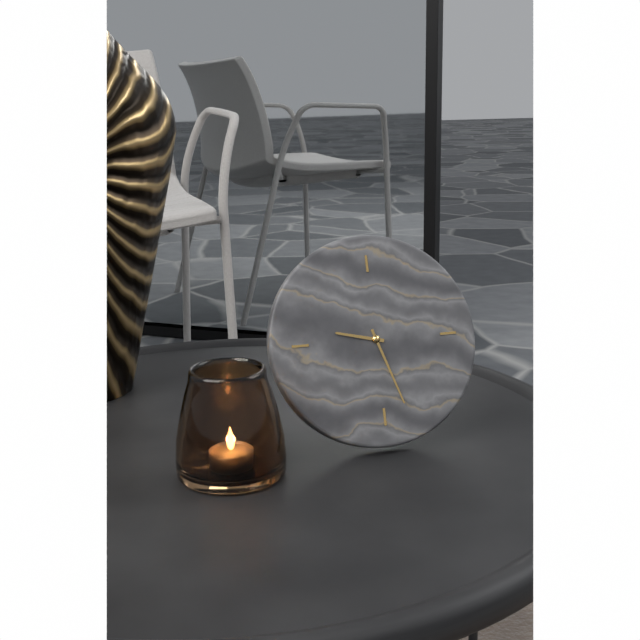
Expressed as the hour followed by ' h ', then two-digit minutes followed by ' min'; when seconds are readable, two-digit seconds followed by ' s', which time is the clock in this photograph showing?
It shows 9 h 27 min
